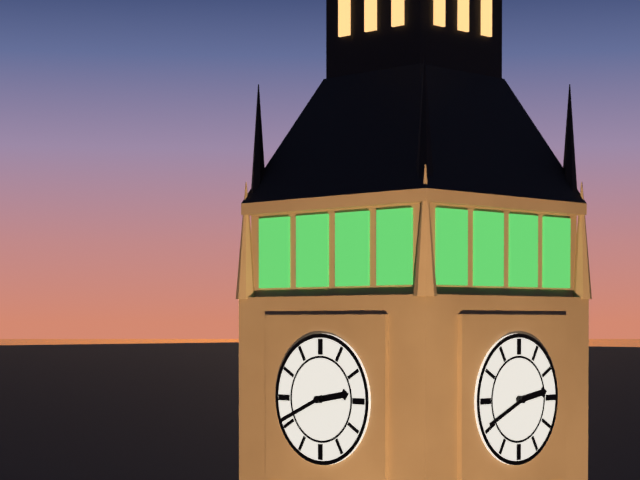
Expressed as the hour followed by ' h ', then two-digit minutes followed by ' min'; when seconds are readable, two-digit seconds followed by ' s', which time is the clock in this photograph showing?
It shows 2 h 41 min
